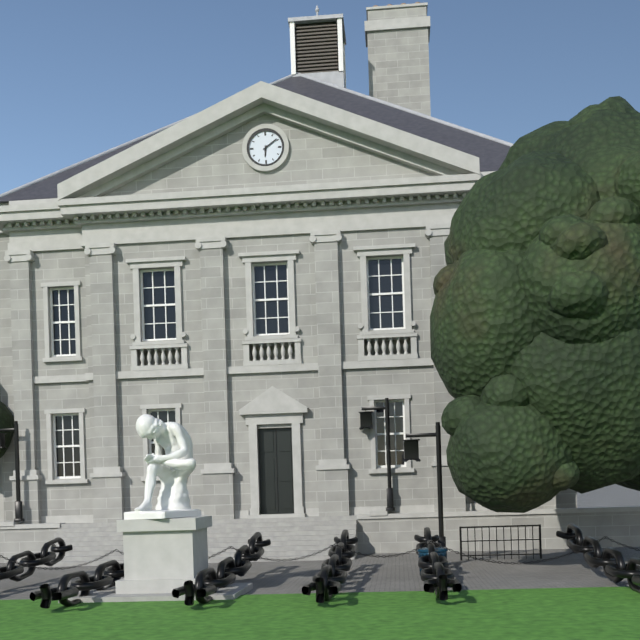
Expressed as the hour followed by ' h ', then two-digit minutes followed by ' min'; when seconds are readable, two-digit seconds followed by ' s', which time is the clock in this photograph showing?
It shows 6 h 09 min
